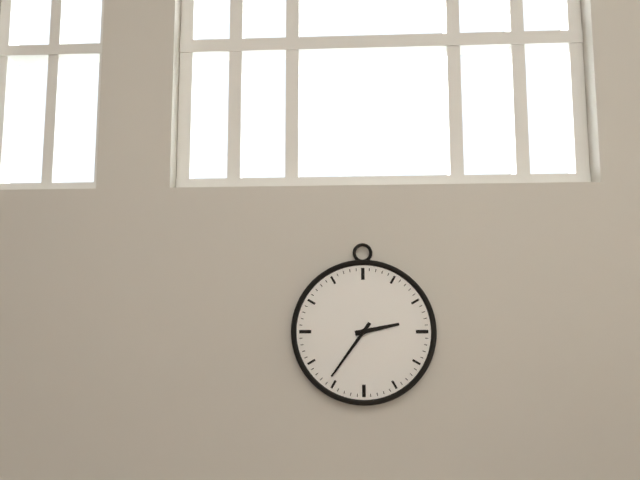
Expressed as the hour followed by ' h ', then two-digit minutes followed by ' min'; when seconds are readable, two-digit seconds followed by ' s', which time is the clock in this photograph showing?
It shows 2 h 36 min
